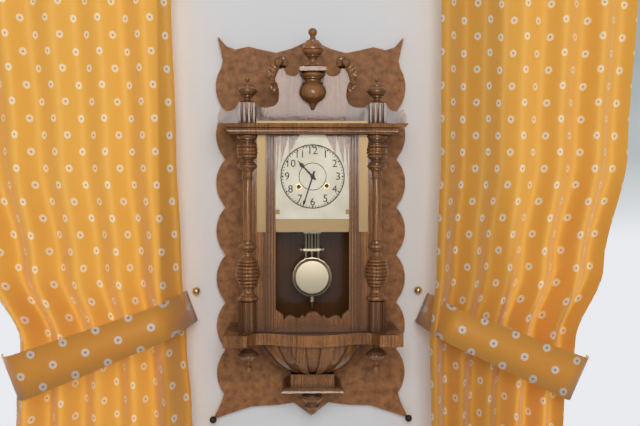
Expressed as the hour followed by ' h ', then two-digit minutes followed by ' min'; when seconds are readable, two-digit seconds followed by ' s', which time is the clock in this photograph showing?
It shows 10 h 33 min
